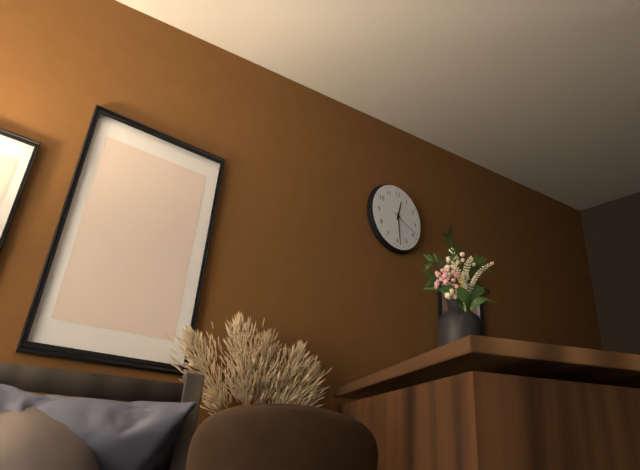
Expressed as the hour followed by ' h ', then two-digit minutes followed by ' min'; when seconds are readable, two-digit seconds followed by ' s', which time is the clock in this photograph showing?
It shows 12 h 29 min
